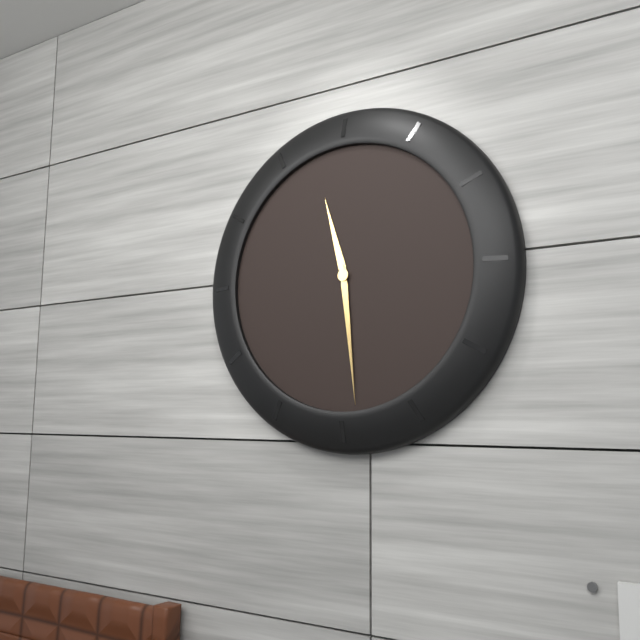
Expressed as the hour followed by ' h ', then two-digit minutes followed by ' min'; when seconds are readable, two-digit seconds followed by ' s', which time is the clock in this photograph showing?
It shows 11 h 29 min
